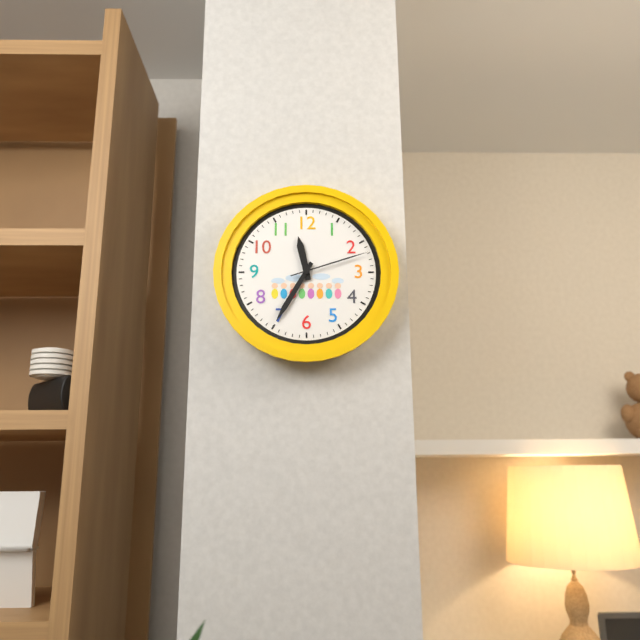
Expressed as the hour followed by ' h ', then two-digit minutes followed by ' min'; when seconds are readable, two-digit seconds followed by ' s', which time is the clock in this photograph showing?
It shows 11 h 35 min 12 s
